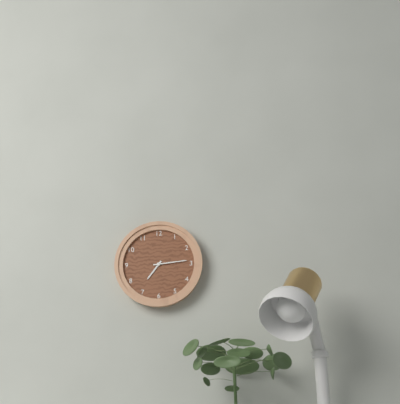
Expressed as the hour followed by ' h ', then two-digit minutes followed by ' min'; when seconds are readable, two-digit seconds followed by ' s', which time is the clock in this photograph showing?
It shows 7 h 14 min
